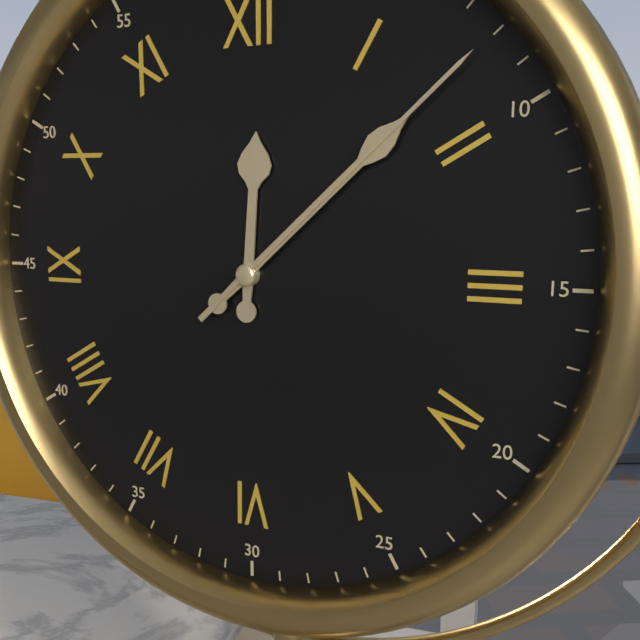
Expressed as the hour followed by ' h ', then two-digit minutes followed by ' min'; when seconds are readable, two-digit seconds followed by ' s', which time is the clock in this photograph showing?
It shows 12 h 08 min 08 s
